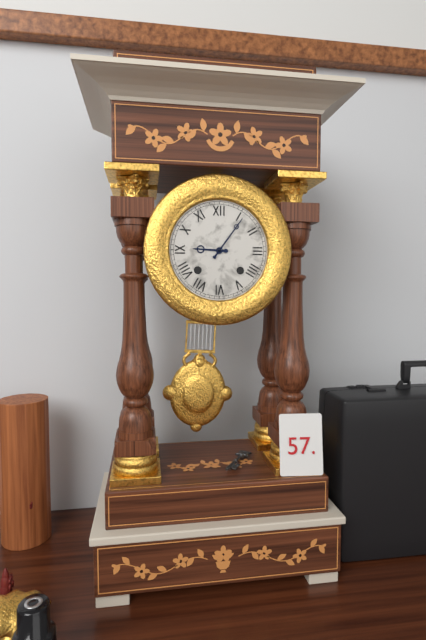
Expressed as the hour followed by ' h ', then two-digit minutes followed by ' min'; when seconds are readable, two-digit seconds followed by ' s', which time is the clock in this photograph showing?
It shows 9 h 06 min
